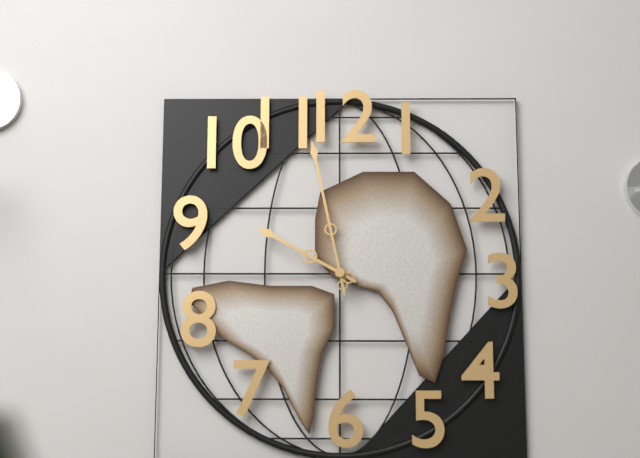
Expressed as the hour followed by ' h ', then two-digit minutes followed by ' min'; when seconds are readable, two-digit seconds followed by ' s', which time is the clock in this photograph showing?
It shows 9 h 58 min
